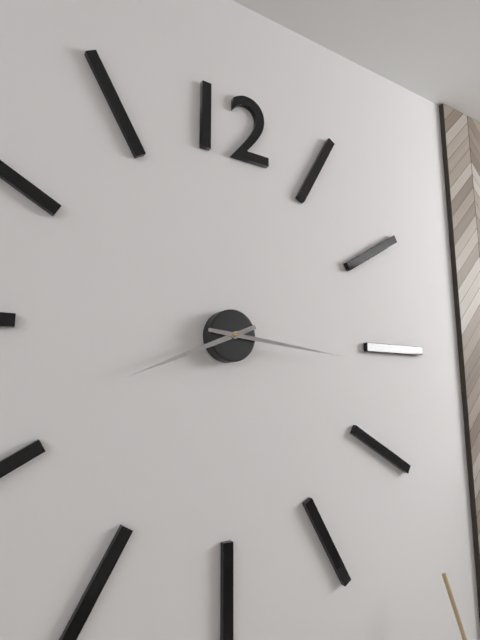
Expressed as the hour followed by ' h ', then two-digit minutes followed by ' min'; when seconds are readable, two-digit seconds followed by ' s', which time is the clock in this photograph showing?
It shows 8 h 16 min
